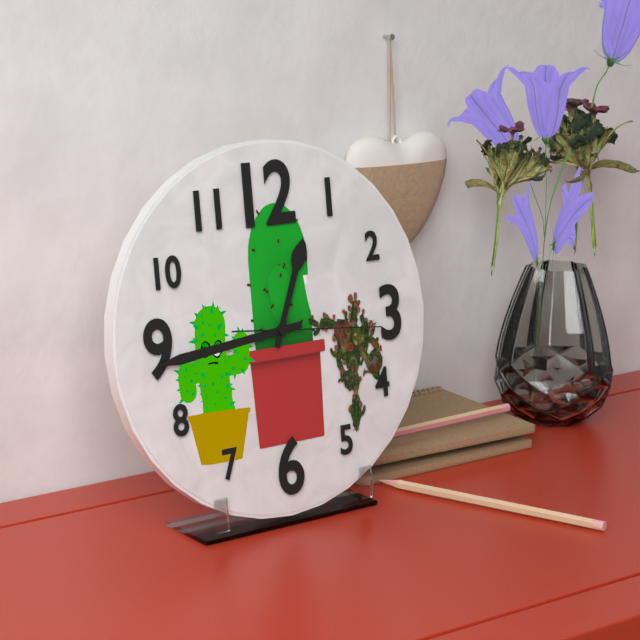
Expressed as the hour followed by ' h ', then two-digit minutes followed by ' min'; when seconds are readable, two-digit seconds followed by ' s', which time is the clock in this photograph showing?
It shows 12 h 44 min 16 s
